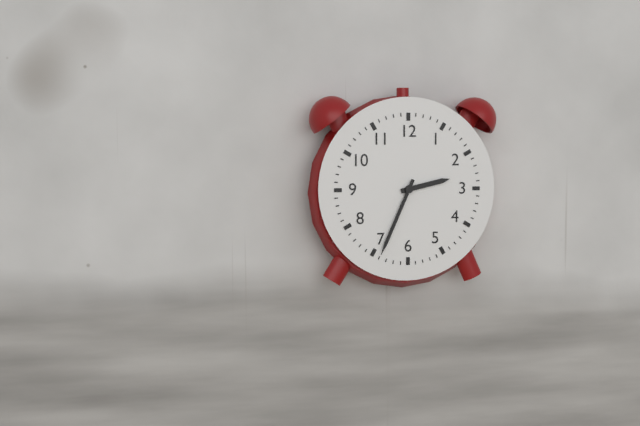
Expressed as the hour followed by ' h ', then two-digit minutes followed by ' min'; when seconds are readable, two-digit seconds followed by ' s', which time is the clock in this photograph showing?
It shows 2 h 34 min
